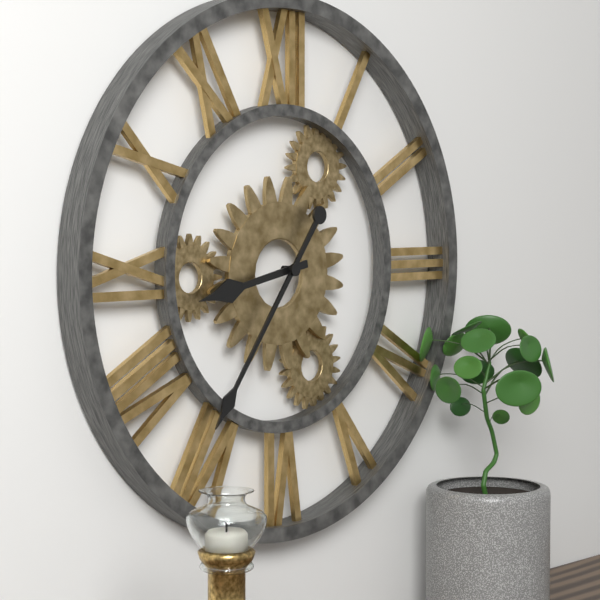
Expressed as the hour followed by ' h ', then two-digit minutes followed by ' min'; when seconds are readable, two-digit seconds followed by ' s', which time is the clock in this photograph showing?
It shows 8 h 36 min
